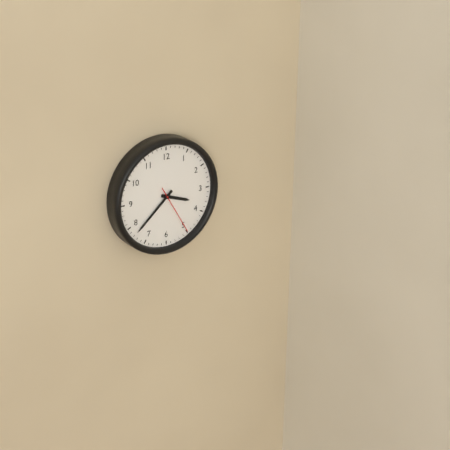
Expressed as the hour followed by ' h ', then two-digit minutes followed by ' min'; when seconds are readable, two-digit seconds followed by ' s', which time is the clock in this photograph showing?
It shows 3 h 38 min 25 s
